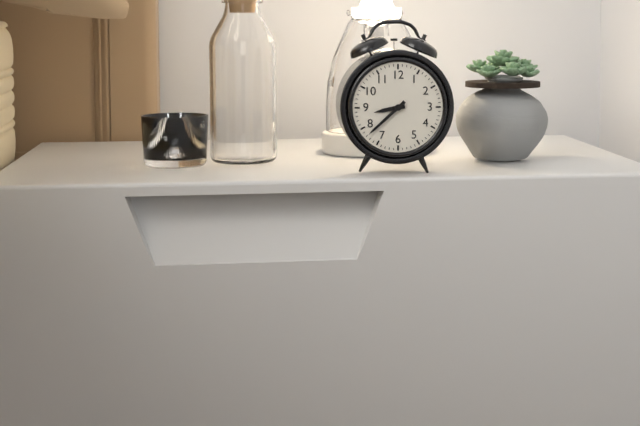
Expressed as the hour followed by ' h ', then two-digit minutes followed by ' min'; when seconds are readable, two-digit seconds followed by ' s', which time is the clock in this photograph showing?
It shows 8 h 38 min
